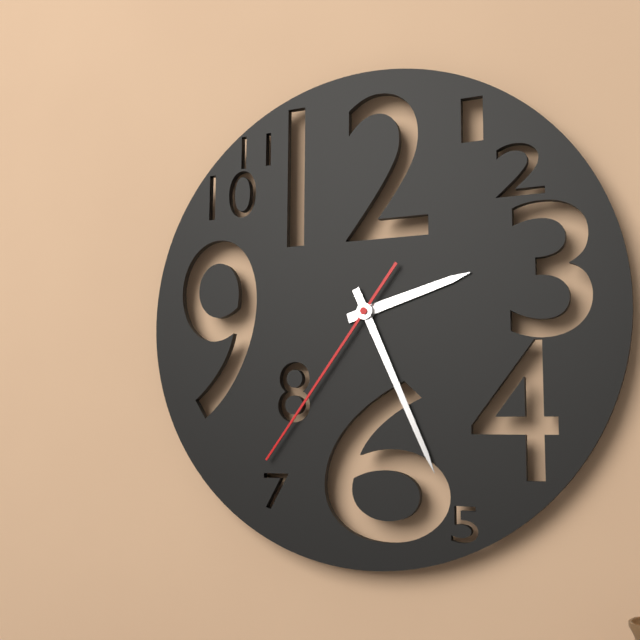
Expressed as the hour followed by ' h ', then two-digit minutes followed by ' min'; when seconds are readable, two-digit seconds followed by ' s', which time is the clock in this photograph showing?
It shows 2 h 26 min 36 s
